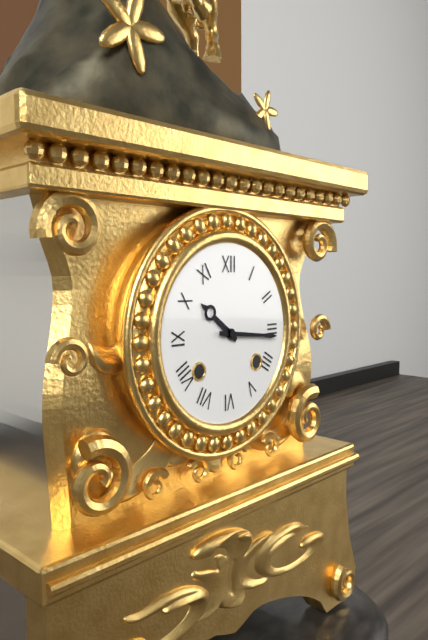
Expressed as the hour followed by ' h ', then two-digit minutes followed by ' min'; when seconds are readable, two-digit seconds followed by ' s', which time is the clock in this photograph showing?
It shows 10 h 16 min
